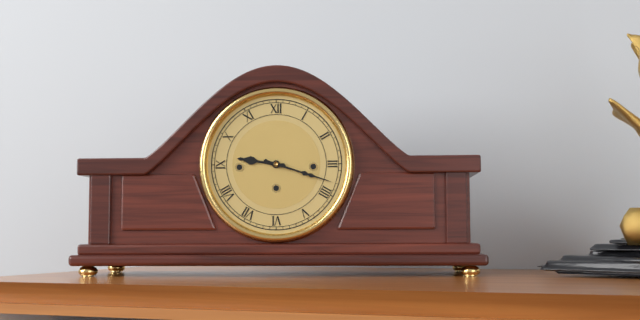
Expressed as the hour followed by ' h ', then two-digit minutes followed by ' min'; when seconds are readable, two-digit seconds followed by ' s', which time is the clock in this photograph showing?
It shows 9 h 18 min
